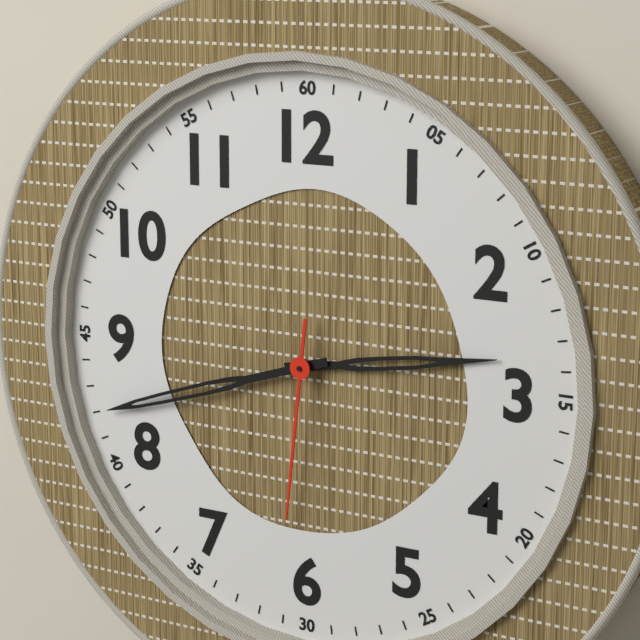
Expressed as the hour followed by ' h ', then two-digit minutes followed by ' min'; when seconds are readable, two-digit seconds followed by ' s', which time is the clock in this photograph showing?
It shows 2 h 42 min 31 s
